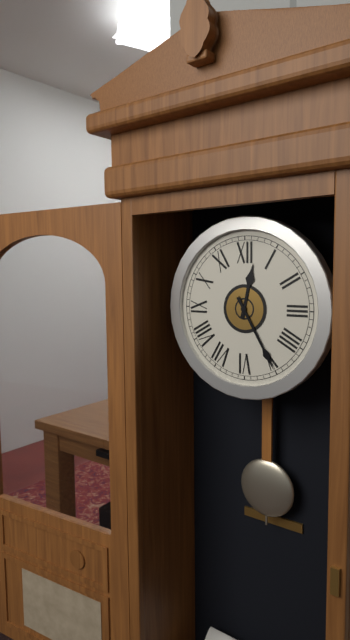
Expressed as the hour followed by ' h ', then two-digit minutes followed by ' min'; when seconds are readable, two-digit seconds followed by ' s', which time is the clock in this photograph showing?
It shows 12 h 25 min
